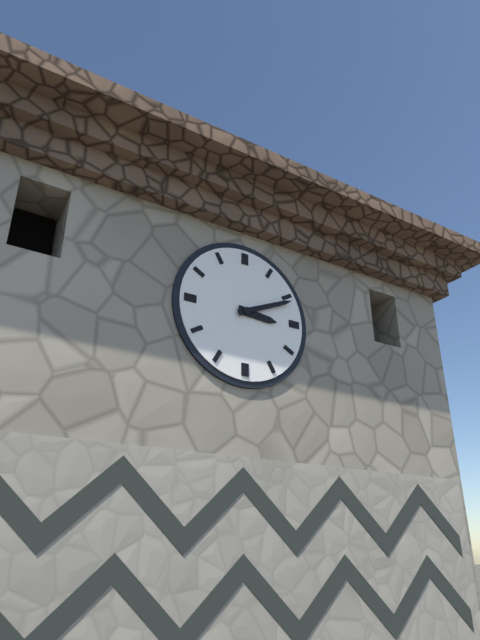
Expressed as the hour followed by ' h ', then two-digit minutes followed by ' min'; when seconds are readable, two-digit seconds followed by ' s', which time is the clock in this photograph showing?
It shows 3 h 11 min
